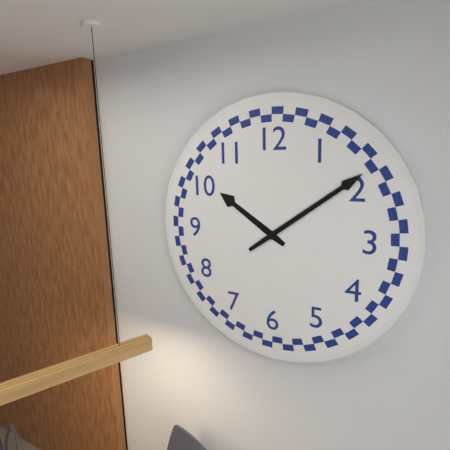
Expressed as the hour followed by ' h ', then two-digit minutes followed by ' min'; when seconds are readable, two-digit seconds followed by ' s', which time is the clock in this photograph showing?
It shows 10 h 09 min
